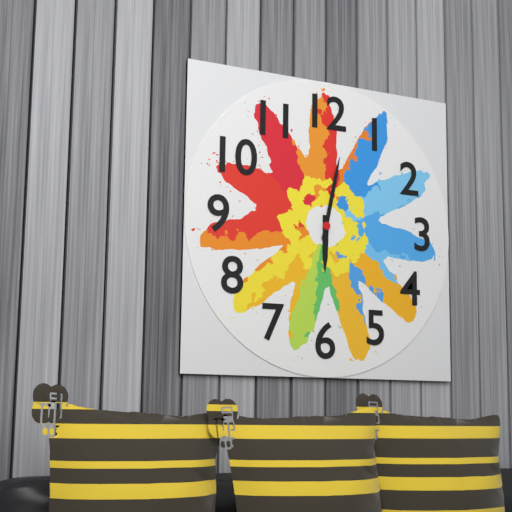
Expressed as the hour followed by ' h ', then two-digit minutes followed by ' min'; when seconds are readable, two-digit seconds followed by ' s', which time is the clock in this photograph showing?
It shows 6 h 02 min
